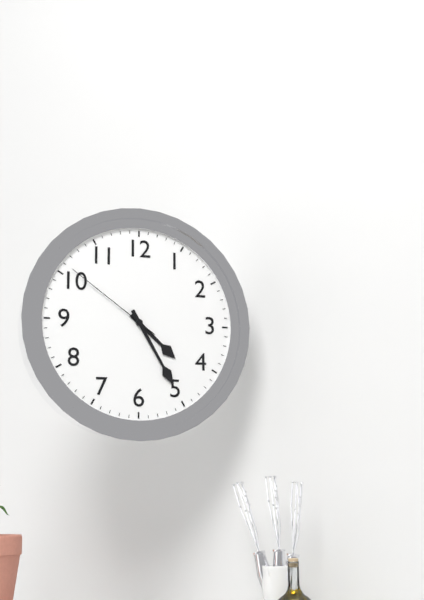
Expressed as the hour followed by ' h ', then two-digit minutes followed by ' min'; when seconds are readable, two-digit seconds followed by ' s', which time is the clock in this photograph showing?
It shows 4 h 25 min 51 s
